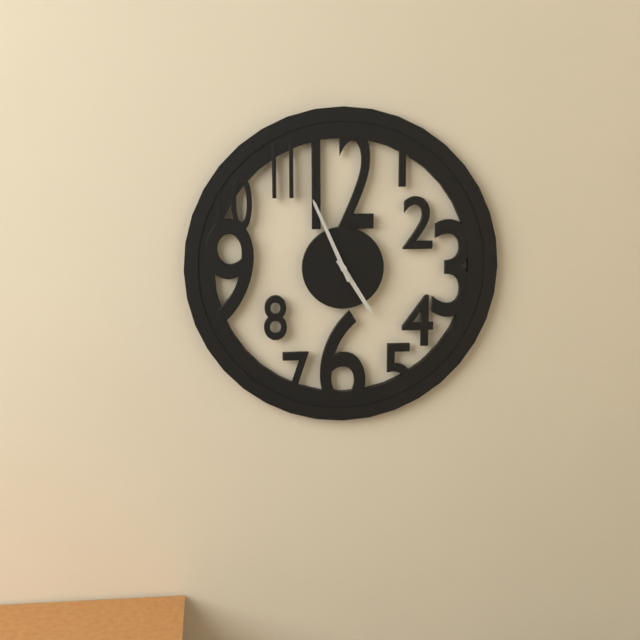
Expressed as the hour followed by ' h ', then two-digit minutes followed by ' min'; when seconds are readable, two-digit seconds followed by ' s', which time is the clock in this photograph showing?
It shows 4 h 56 min
